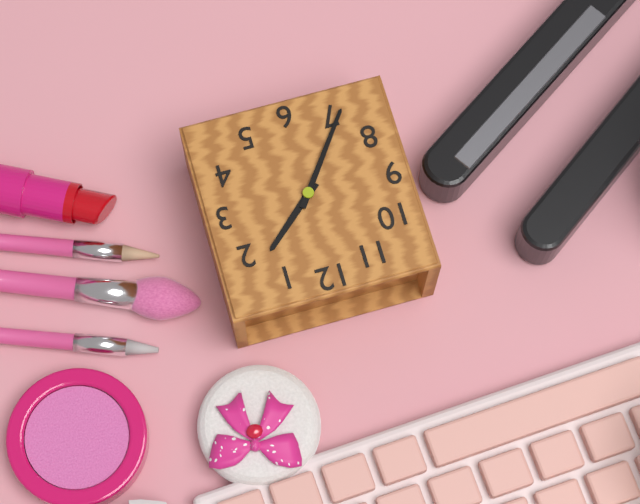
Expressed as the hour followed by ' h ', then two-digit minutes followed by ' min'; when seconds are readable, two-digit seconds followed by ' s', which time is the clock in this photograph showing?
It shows 1 h 36 min
